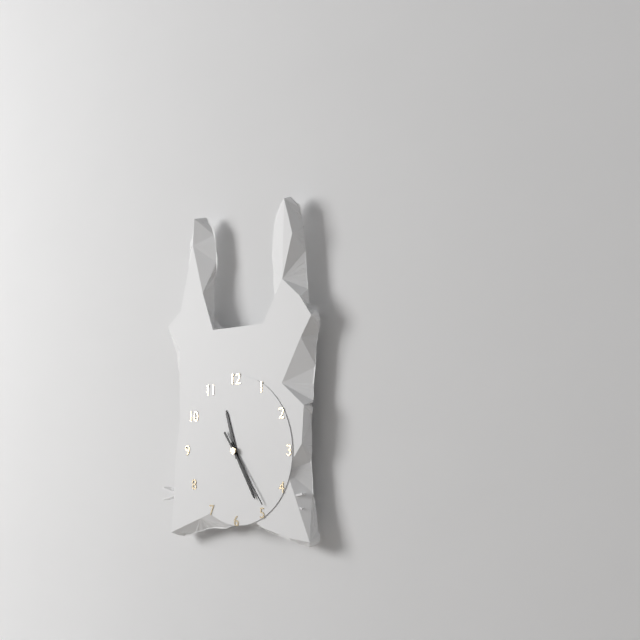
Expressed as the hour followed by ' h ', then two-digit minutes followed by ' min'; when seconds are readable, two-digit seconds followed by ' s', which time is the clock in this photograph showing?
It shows 11 h 25 min 24 s
